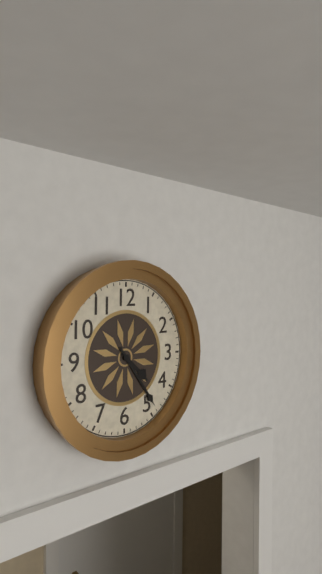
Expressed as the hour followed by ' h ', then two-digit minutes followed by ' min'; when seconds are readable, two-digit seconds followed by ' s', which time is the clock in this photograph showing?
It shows 4 h 24 min
